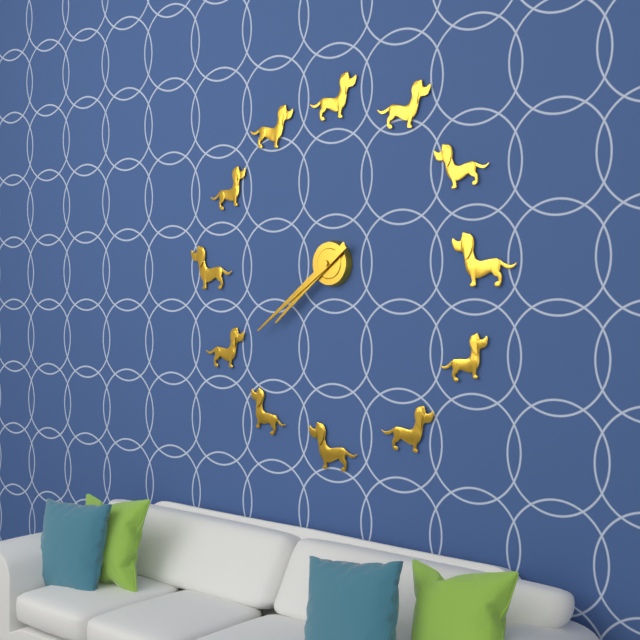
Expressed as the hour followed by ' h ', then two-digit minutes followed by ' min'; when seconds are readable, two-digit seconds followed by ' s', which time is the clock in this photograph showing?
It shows 7 h 39 min
